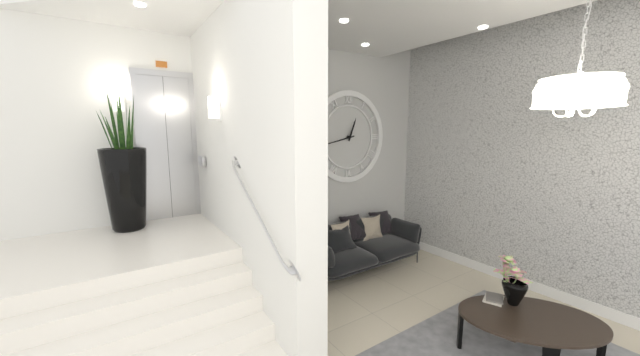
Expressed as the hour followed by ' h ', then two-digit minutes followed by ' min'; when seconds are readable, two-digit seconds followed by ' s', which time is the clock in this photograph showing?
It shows 12 h 43 min
